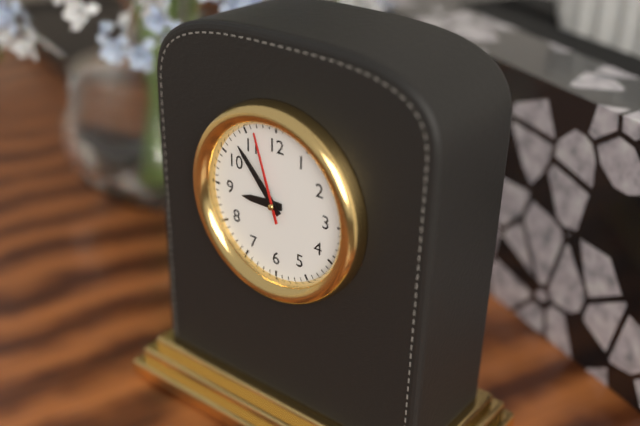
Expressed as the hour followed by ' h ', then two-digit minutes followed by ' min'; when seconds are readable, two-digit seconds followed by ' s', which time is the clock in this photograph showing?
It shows 8 h 53 min 57 s
